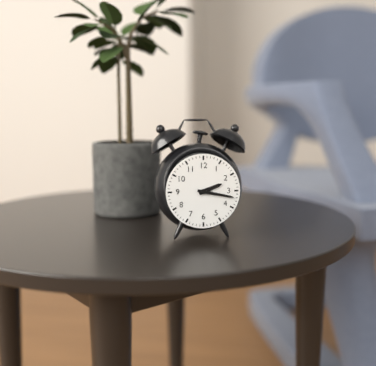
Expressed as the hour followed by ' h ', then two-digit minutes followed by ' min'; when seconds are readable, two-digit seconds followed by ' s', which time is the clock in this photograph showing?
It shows 2 h 17 min
